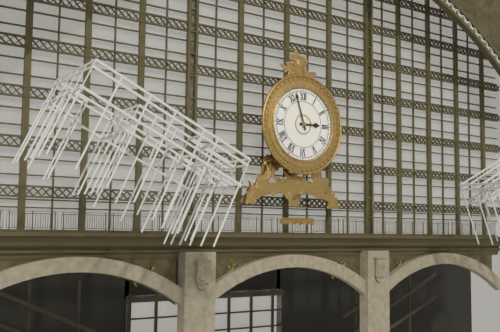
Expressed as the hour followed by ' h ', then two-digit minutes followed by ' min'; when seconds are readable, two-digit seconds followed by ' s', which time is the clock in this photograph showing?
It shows 2 h 57 min
